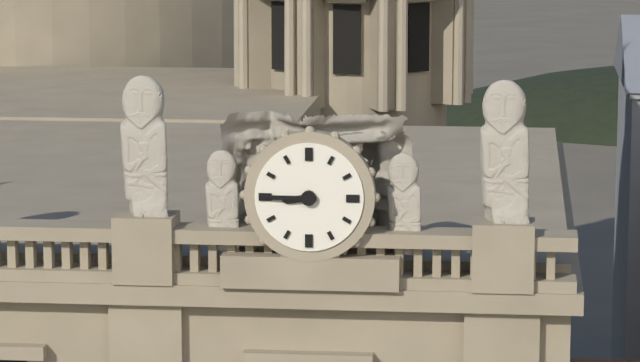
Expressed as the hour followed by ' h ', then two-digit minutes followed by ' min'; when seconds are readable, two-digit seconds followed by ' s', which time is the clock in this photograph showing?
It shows 8 h 45 min
